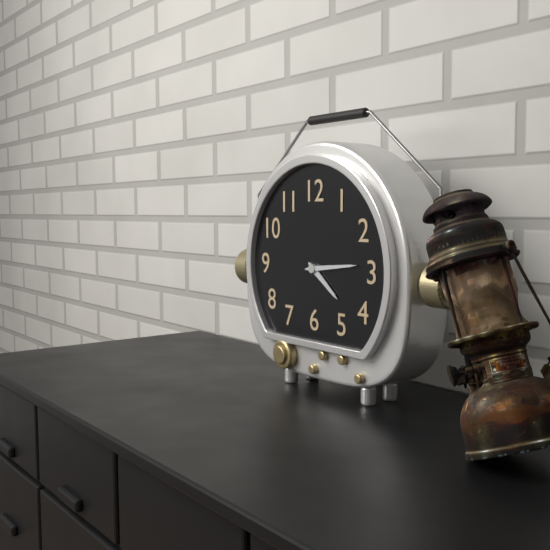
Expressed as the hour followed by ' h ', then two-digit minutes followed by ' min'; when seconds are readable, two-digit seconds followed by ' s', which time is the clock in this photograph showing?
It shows 4 h 14 min
